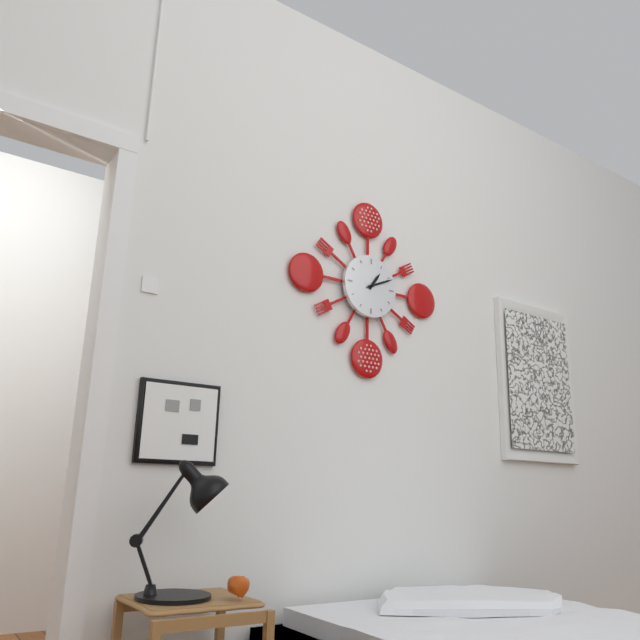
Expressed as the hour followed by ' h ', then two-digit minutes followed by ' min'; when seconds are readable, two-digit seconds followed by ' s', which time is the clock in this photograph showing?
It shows 1 h 11 min
